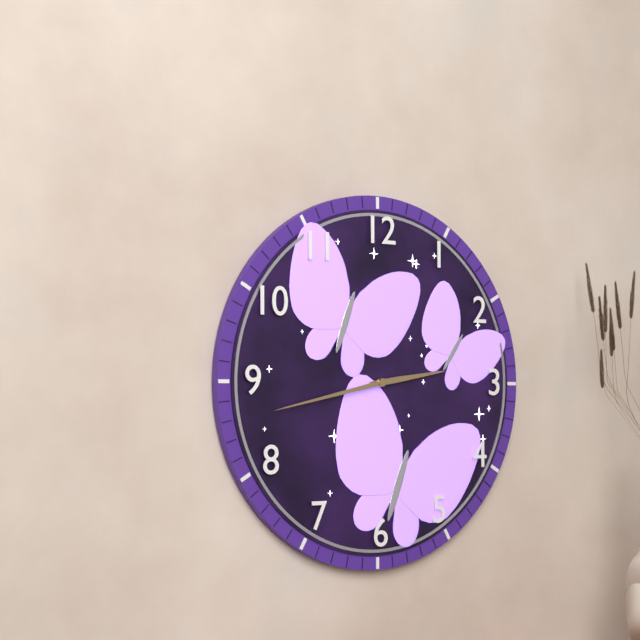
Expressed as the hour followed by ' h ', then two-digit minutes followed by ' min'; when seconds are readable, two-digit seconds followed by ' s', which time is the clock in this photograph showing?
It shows 2 h 43 min
